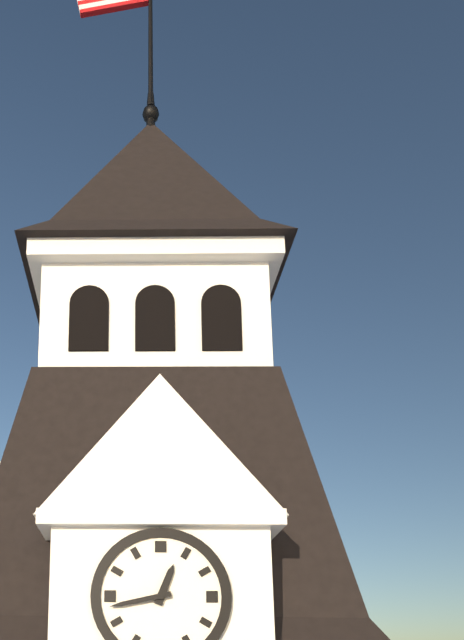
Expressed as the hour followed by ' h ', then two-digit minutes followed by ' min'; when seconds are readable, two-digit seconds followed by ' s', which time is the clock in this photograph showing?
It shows 12 h 43 min
